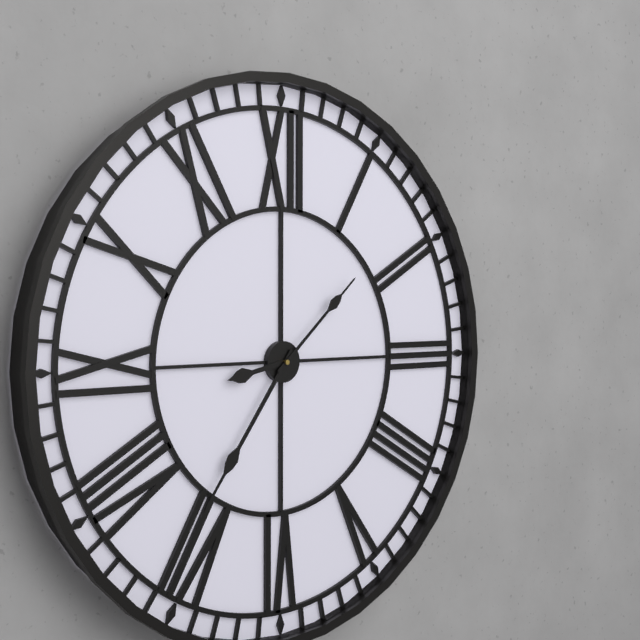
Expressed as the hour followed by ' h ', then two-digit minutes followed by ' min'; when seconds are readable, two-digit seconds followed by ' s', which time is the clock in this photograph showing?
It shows 8 h 36 min 08 s
